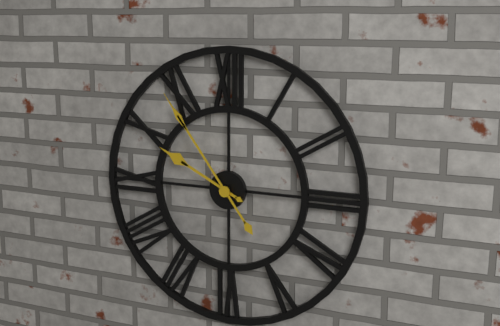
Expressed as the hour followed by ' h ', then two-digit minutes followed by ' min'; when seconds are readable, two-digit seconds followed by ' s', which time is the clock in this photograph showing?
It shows 9 h 54 min
